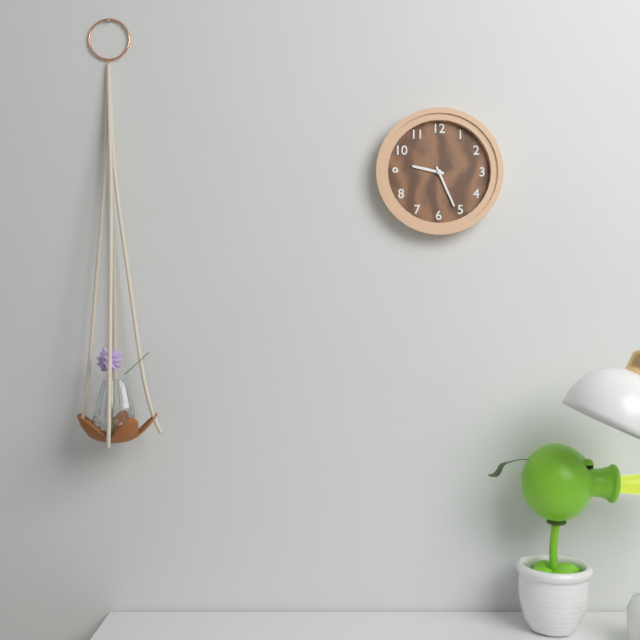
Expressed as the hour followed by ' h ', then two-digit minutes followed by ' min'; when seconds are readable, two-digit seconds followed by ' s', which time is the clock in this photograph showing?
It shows 9 h 26 min
